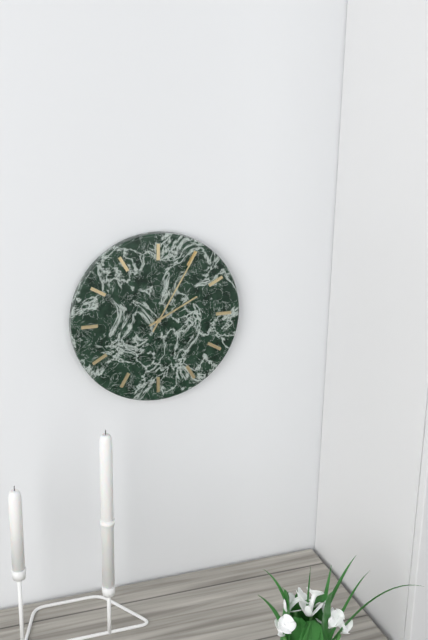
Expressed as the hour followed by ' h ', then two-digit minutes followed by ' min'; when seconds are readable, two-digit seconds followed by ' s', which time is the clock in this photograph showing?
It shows 2 h 05 min
